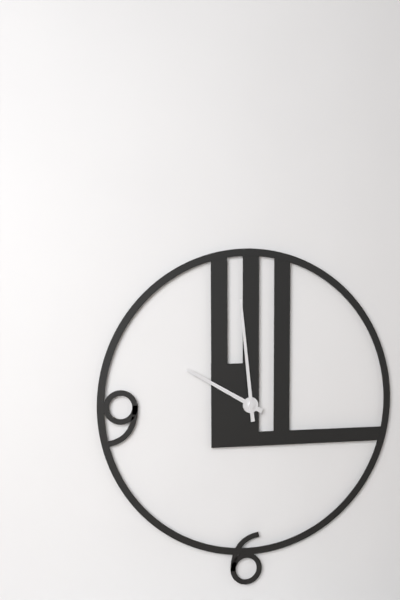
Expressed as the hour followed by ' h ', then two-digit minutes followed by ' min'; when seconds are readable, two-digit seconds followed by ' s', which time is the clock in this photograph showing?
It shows 9 h 59 min
